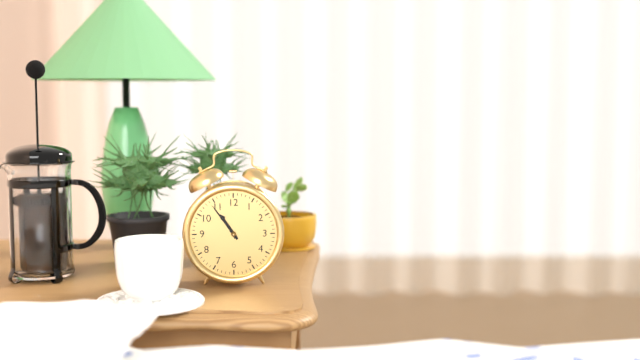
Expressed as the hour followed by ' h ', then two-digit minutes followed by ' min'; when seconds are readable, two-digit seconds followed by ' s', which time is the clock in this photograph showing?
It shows 10 h 54 min
